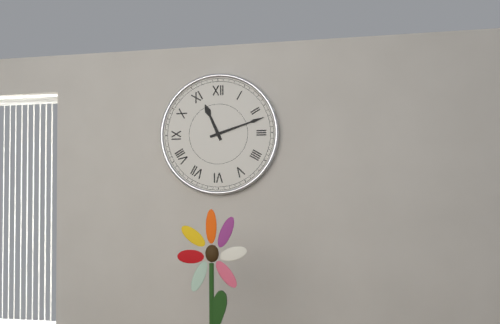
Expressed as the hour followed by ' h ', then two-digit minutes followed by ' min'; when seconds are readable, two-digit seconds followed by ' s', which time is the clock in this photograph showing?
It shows 11 h 12 min
